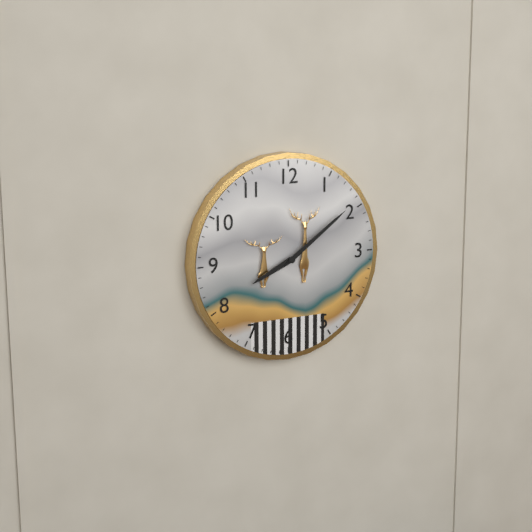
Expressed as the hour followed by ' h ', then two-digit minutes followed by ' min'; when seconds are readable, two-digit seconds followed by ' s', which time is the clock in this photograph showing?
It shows 8 h 09 min
